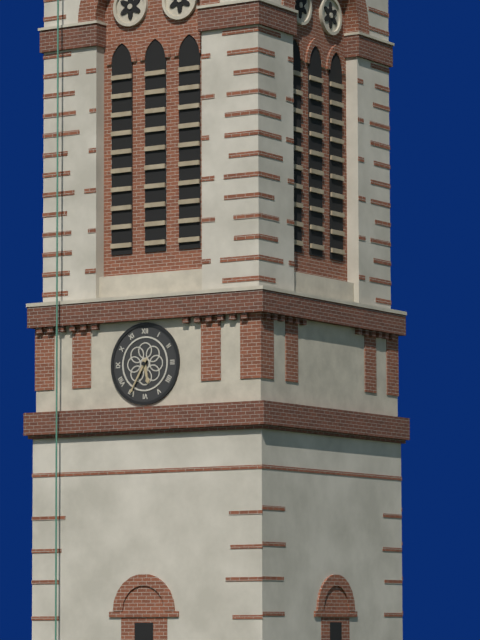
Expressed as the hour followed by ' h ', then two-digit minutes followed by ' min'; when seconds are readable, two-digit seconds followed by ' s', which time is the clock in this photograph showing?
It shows 5 h 35 min
